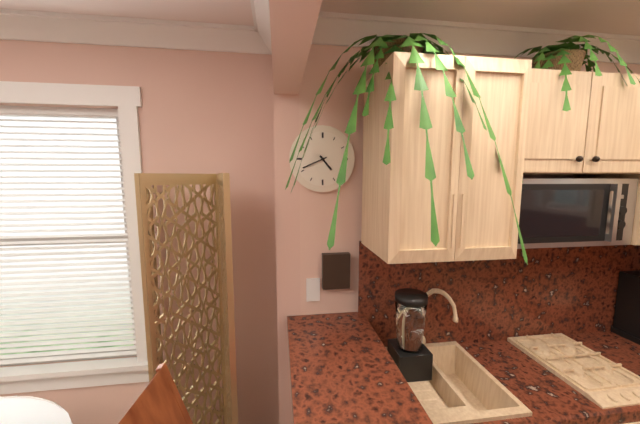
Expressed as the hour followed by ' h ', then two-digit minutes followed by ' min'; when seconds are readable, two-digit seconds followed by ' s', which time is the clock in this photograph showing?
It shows 4 h 41 min
